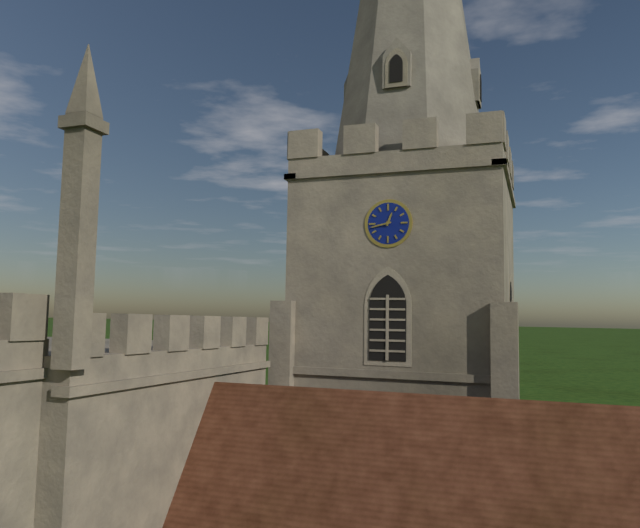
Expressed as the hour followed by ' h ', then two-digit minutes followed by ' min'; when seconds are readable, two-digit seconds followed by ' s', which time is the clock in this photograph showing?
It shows 12 h 43 min
